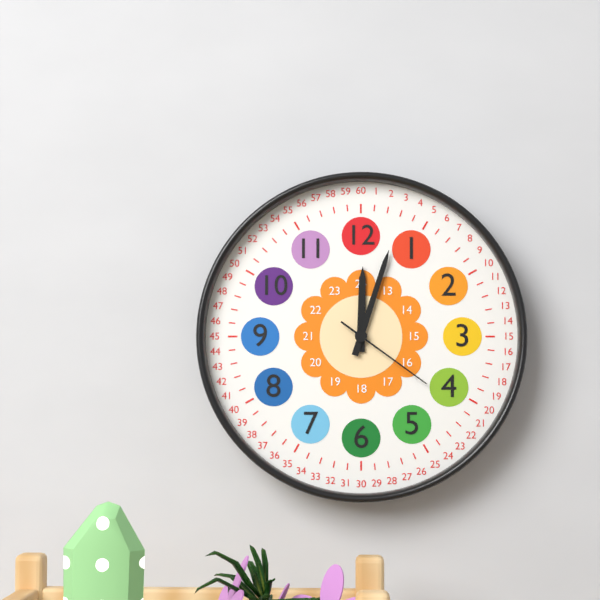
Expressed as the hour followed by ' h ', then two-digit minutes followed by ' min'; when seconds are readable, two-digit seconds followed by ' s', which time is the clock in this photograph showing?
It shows 12 h 03 min 21 s
